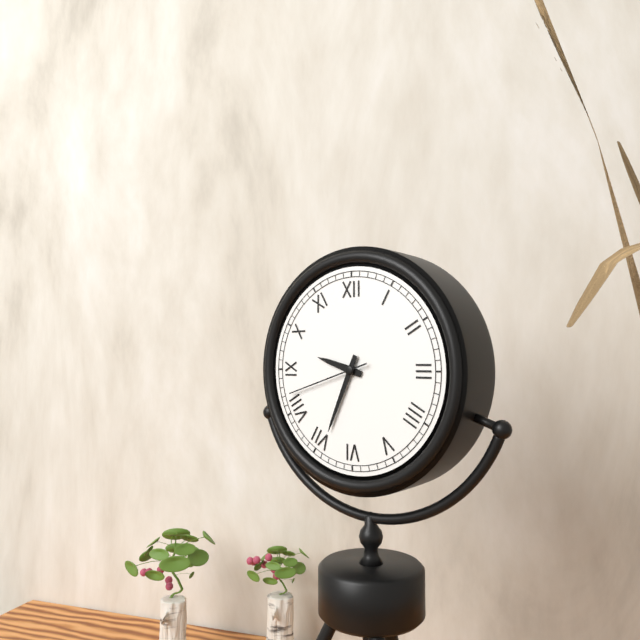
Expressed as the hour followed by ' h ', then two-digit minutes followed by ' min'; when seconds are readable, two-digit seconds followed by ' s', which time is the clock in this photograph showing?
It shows 9 h 34 min 42 s
